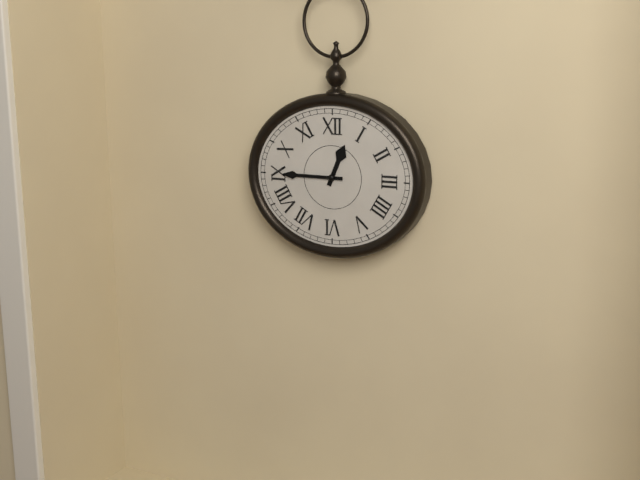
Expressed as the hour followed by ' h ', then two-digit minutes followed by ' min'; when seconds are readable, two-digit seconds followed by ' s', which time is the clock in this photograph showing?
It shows 12 h 45 min
